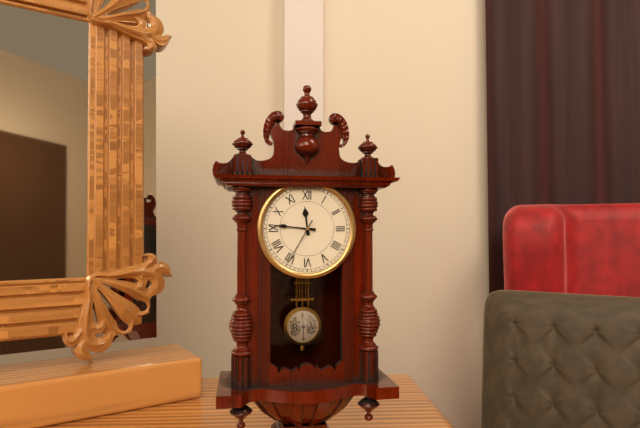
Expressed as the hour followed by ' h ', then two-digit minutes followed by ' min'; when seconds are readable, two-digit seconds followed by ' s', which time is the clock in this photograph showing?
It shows 11 h 46 min 35 s
